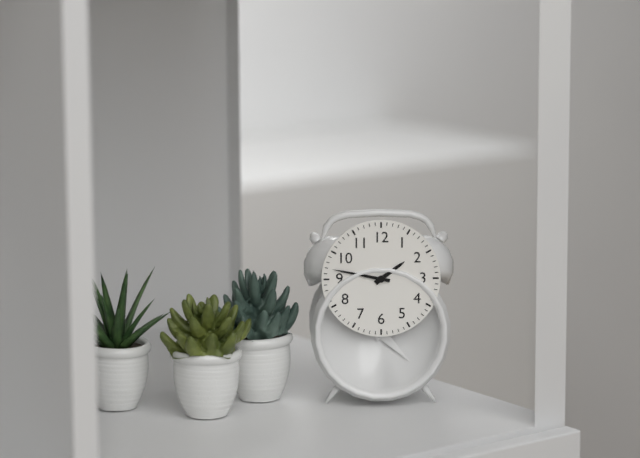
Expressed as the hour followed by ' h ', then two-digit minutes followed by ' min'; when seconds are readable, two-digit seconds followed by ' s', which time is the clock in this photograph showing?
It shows 1 h 47 min
